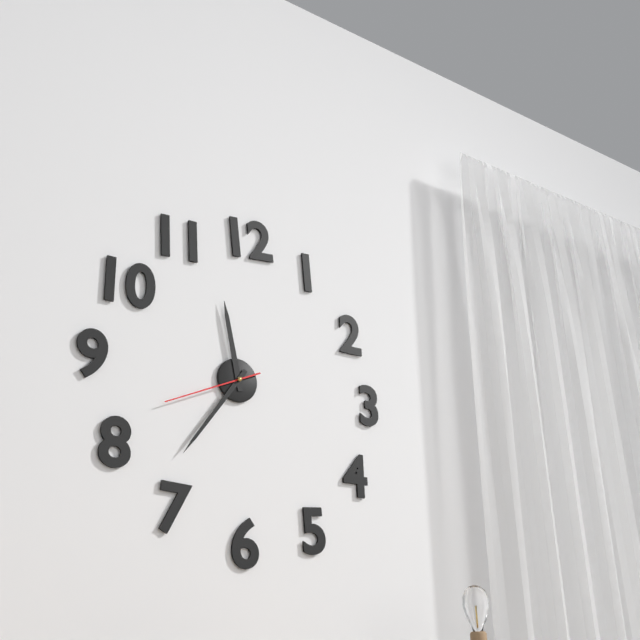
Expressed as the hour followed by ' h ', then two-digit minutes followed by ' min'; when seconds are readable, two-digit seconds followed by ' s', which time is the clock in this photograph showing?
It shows 11 h 36 min 41 s
